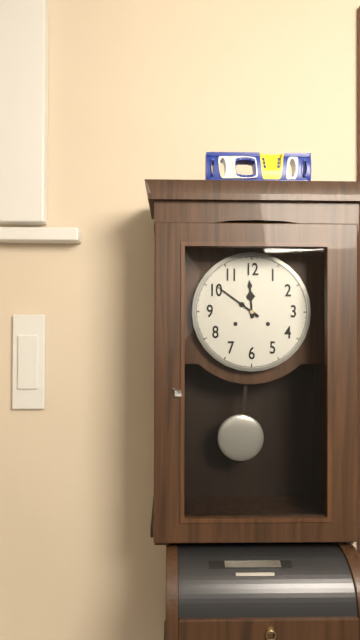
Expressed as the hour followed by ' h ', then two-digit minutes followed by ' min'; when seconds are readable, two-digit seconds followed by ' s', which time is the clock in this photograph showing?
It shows 11 h 51 min
